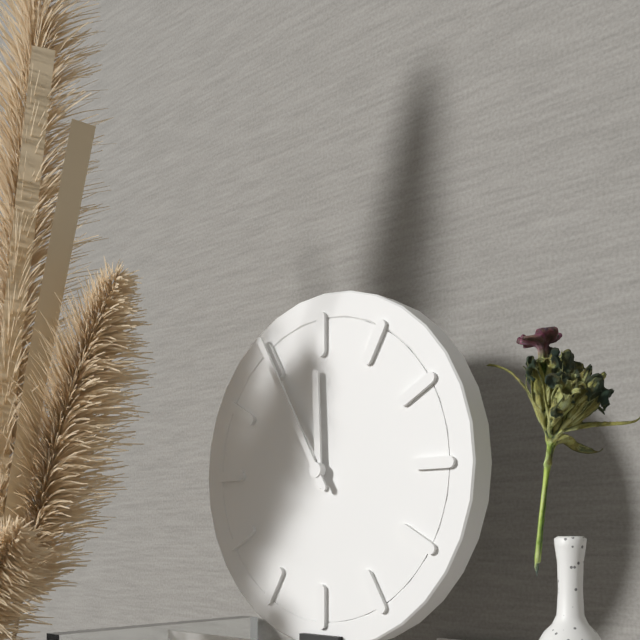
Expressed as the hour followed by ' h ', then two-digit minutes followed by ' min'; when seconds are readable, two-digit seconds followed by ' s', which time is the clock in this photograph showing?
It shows 11 h 55 min
